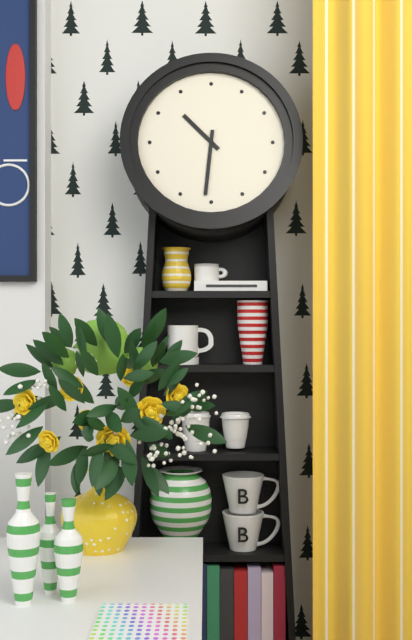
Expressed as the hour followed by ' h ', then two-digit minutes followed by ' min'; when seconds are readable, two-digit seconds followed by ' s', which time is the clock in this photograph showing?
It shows 10 h 31 min
